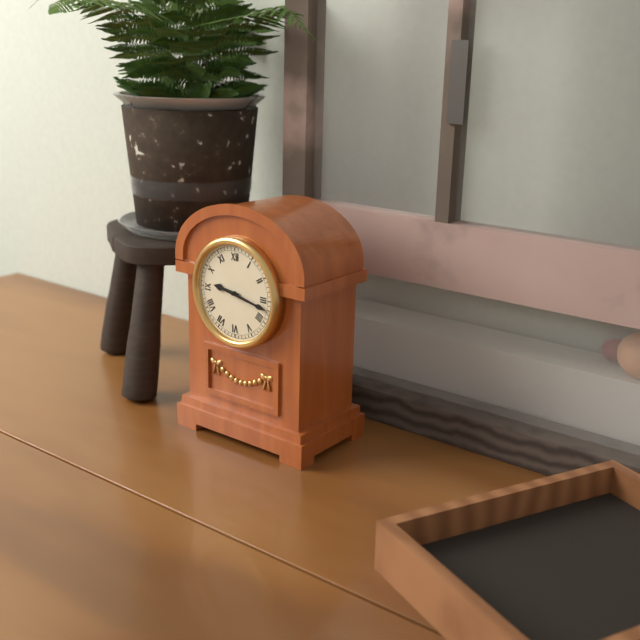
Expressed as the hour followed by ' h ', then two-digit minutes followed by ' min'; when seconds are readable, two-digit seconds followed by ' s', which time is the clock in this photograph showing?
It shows 9 h 17 min
